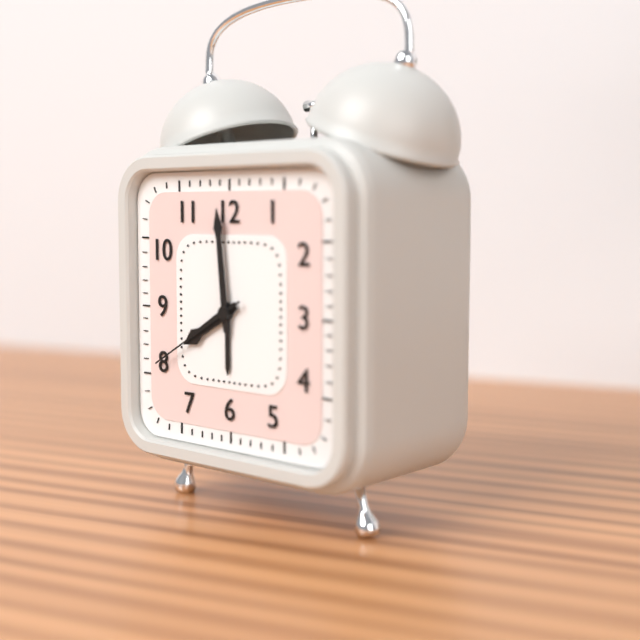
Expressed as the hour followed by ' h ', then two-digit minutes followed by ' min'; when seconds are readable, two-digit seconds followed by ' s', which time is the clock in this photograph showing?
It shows 7 h 59 min 40 s
